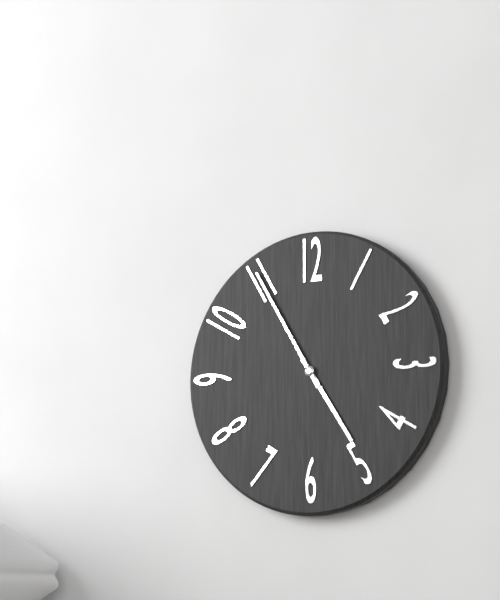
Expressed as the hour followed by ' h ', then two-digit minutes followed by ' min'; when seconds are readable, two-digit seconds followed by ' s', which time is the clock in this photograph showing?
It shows 4 h 55 min
